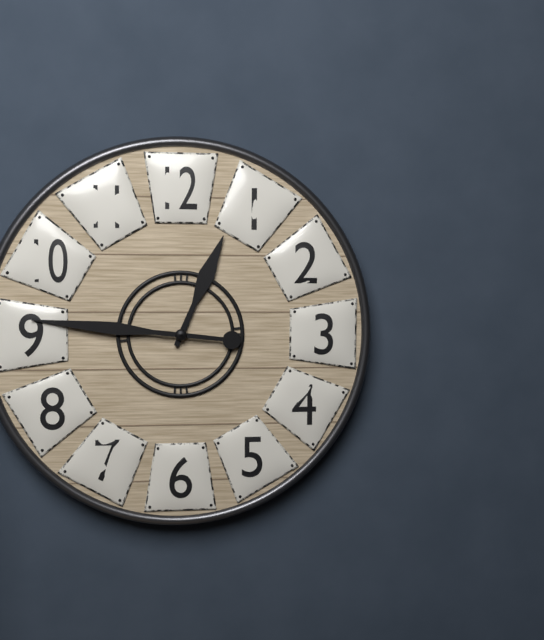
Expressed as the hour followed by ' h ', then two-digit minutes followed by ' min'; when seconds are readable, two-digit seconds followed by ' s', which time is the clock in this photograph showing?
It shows 12 h 46 min
